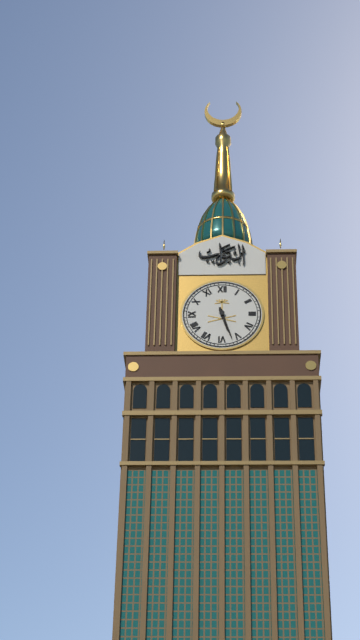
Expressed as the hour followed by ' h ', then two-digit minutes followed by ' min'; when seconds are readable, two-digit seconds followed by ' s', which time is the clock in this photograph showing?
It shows 5 h 27 min
